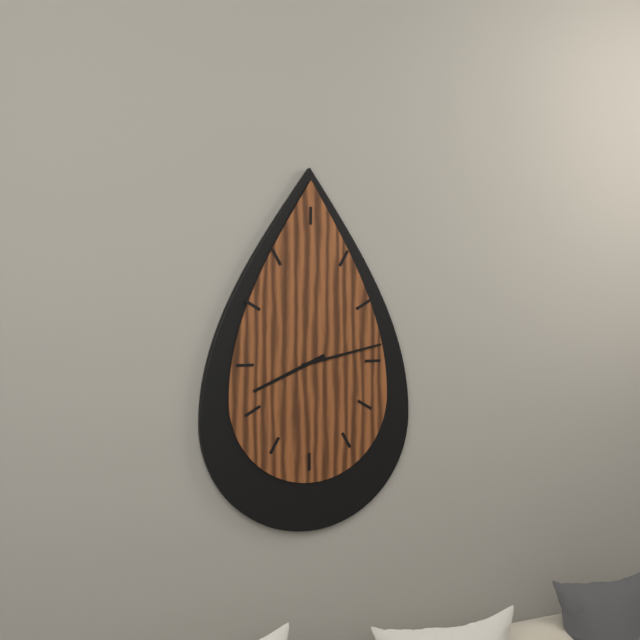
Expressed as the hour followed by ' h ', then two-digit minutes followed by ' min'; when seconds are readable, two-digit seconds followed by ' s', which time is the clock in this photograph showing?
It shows 8 h 13 min
